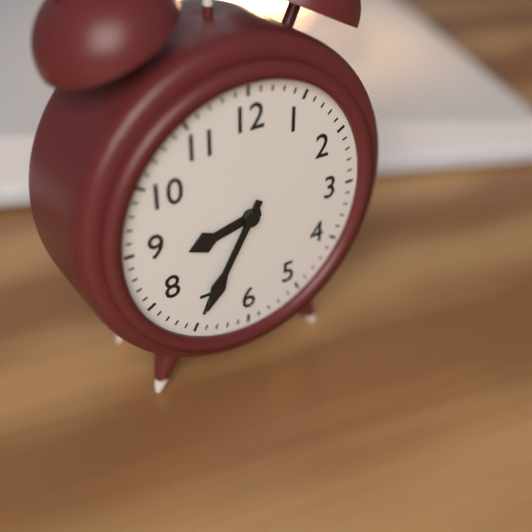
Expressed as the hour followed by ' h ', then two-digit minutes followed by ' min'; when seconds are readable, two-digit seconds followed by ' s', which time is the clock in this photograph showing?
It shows 8 h 35 min
